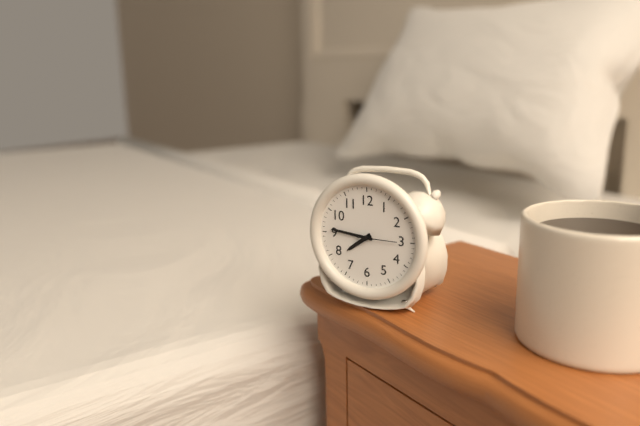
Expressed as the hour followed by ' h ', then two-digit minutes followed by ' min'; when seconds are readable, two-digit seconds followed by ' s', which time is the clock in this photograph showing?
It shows 7 h 46 min
